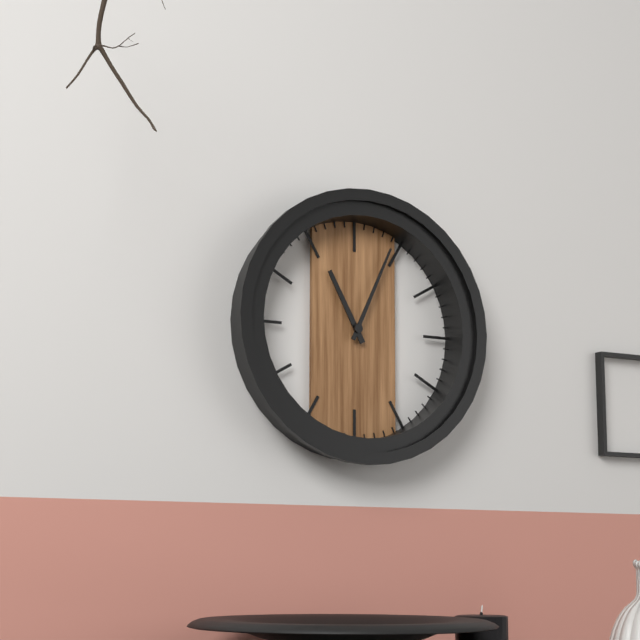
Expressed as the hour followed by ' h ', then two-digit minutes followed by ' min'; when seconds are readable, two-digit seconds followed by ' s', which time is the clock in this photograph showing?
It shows 11 h 04 min
